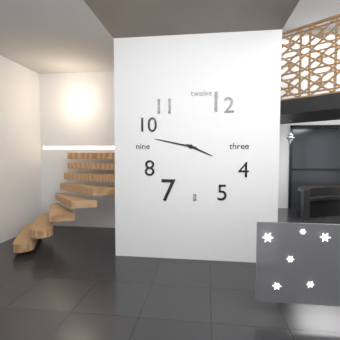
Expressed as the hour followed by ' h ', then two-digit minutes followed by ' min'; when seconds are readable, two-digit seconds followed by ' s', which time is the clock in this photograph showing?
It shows 3 h 47 min
